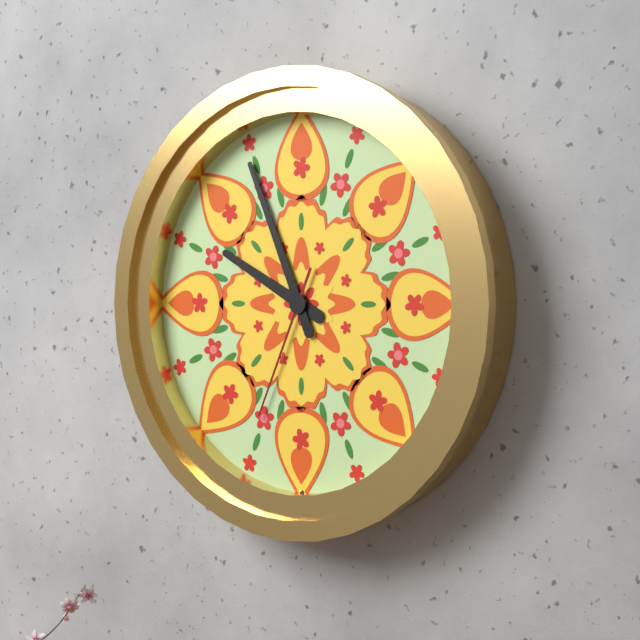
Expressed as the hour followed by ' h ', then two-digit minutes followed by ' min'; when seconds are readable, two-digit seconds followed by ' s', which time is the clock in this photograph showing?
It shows 9 h 56 min 34 s
